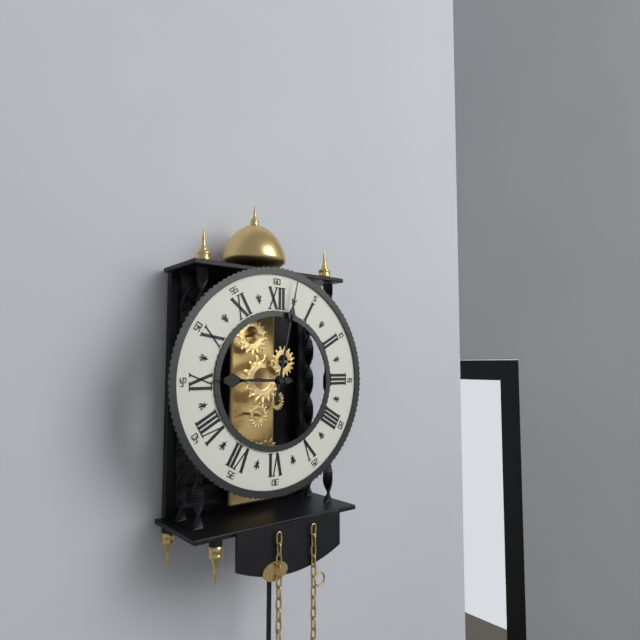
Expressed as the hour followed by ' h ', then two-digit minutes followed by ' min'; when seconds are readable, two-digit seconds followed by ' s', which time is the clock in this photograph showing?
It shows 9 h 02 min
